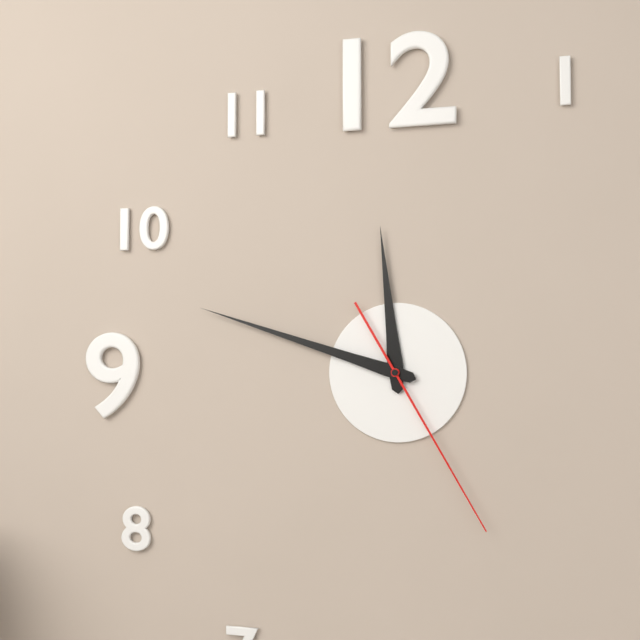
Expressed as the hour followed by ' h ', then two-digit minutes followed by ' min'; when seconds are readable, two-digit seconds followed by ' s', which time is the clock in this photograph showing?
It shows 11 h 48 min 25 s
